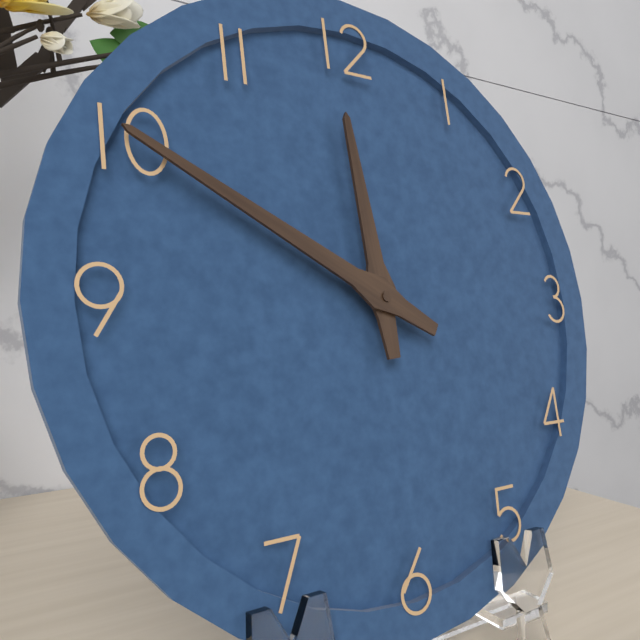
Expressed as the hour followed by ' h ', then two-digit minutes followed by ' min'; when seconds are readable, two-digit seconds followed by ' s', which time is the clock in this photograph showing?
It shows 11 h 50 min
